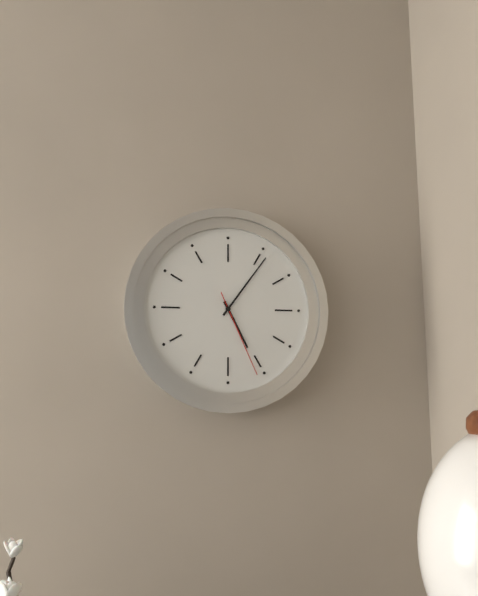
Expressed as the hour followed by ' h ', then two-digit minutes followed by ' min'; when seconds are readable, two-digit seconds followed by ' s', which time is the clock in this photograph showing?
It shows 5 h 06 min 26 s
